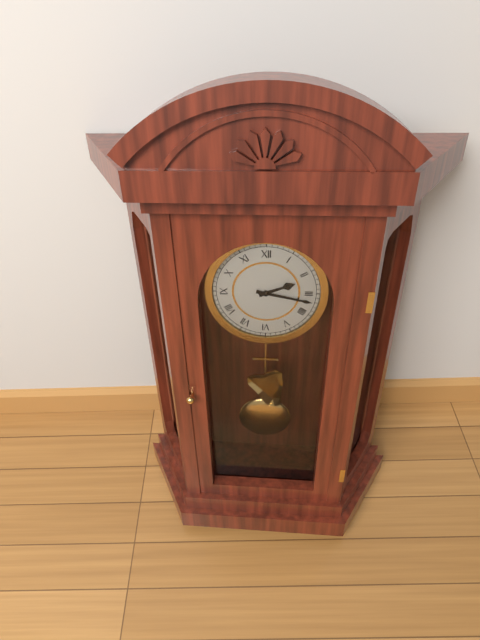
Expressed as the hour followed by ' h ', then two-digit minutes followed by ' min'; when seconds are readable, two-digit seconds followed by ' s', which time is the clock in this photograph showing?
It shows 2 h 17 min
